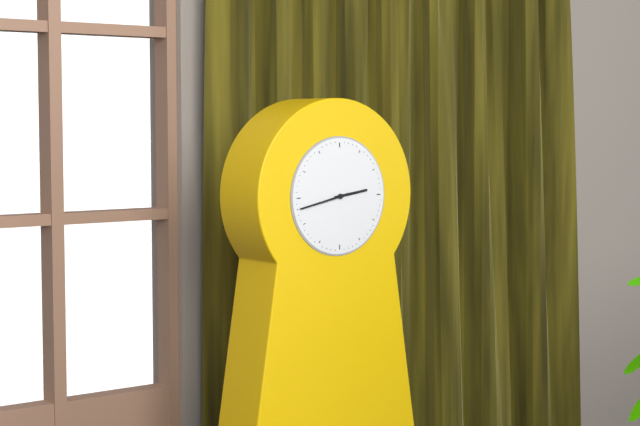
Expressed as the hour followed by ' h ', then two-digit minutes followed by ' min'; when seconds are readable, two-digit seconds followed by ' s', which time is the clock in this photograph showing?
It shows 2 h 43 min
